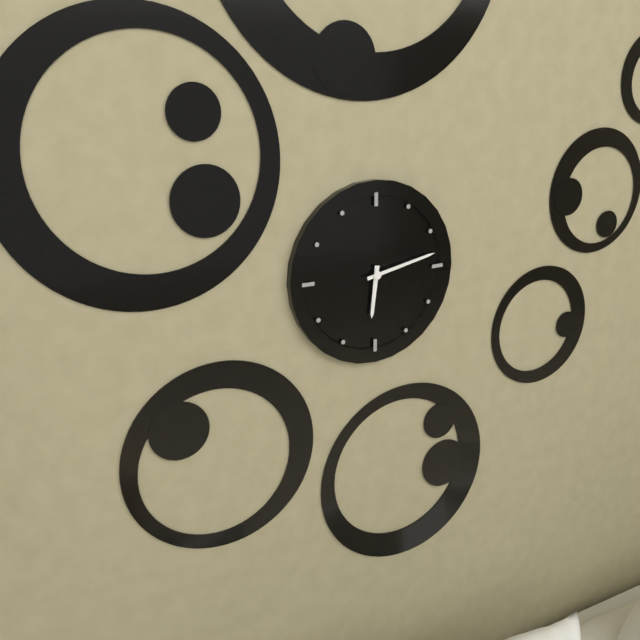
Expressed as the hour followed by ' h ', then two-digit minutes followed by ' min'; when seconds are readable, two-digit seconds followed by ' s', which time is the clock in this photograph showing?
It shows 6 h 13 min
